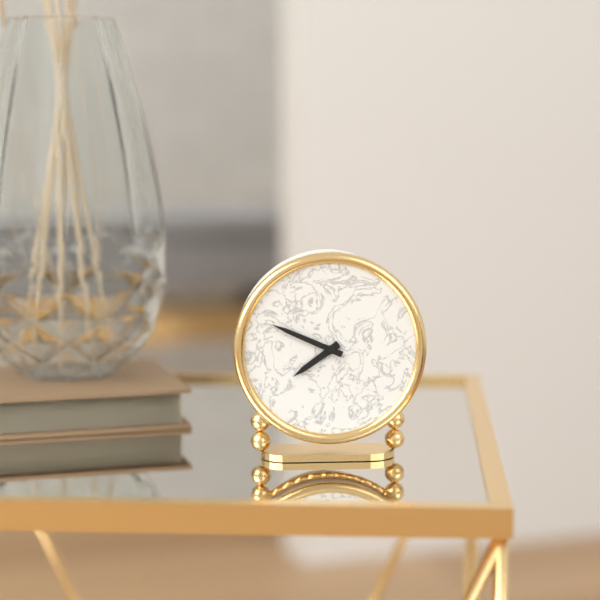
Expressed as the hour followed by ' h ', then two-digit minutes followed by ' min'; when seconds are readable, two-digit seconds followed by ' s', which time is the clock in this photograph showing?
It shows 7 h 49 min
